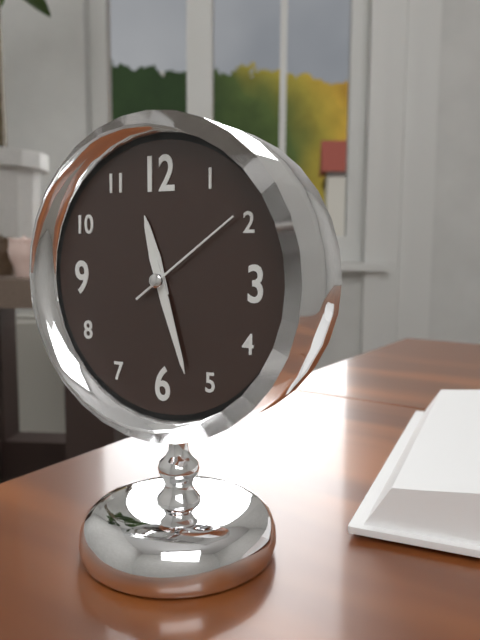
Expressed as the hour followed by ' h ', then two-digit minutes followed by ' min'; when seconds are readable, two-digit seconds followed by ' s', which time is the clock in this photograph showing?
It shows 11 h 27 min 09 s
